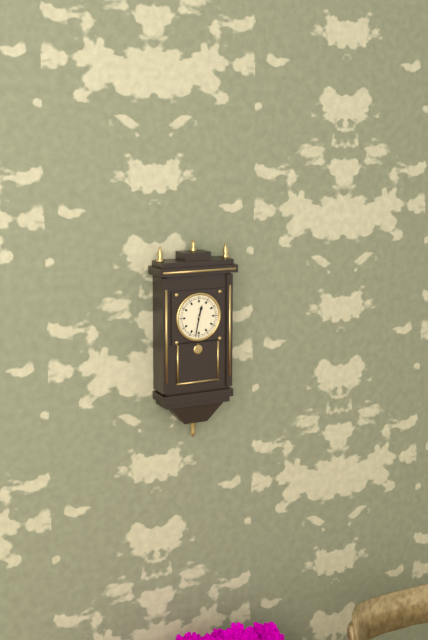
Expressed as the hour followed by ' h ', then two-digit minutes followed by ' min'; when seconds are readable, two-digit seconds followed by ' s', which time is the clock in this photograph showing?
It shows 12 h 32 min
